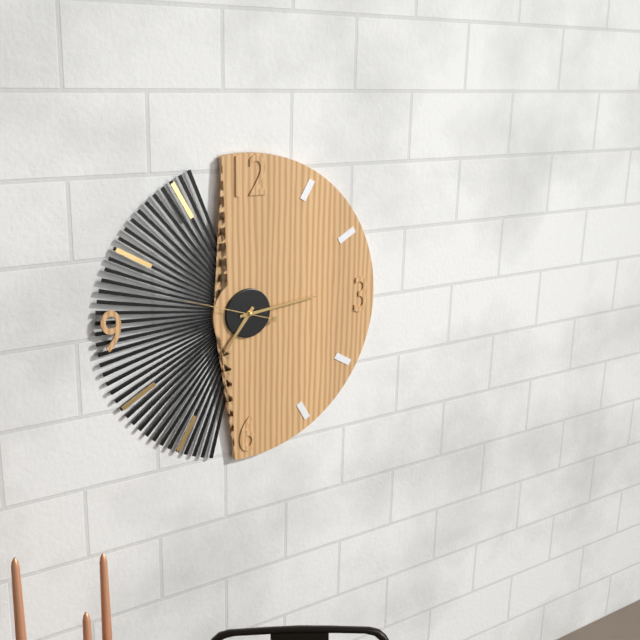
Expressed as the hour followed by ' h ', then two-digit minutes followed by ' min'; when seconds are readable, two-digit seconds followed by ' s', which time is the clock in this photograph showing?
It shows 7 h 14 min 48 s
